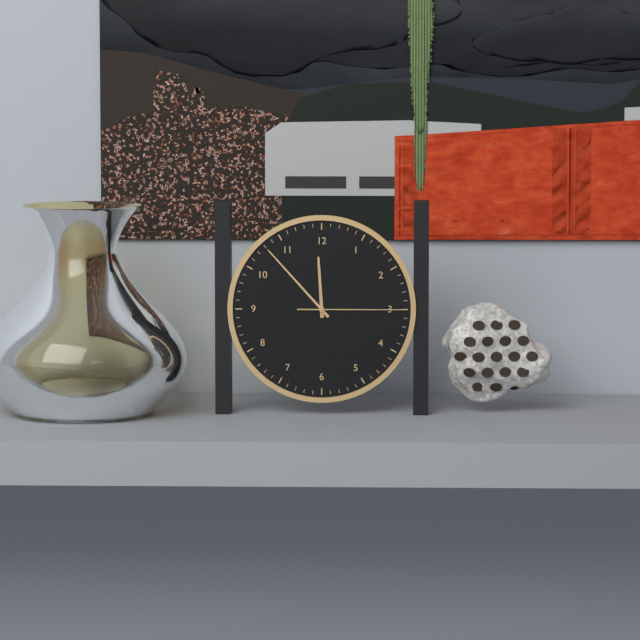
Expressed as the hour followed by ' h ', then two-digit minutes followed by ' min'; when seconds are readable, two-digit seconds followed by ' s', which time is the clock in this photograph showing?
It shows 11 h 53 min 15 s
